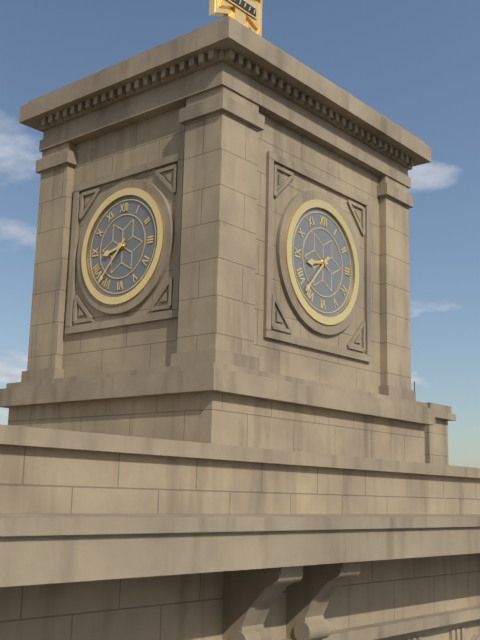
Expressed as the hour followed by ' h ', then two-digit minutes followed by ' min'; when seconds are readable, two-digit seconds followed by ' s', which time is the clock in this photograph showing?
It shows 8 h 37 min
